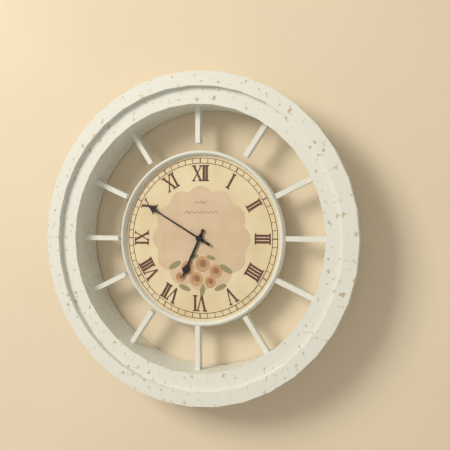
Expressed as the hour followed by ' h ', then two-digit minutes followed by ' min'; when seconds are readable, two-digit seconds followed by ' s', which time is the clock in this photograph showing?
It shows 6 h 50 min
